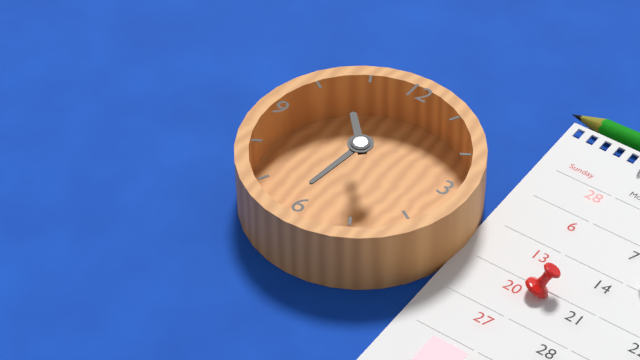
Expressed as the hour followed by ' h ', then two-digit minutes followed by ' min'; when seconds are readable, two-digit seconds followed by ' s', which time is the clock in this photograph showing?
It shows 10 h 31 min
